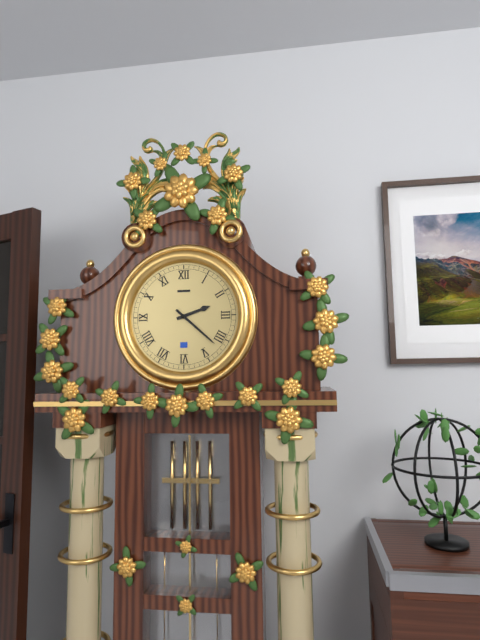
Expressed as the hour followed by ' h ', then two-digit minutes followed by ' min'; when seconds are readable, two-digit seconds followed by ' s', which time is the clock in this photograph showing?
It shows 2 h 22 min
